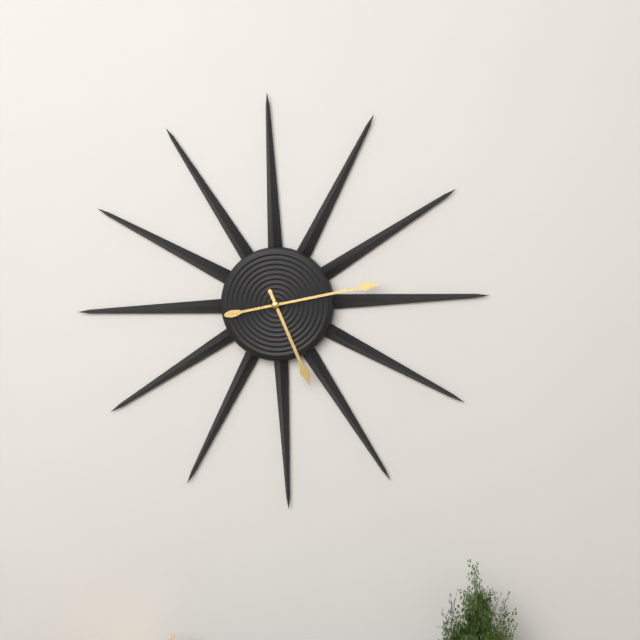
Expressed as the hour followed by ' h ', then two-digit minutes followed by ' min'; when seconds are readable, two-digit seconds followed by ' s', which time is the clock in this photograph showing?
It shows 5 h 13 min
